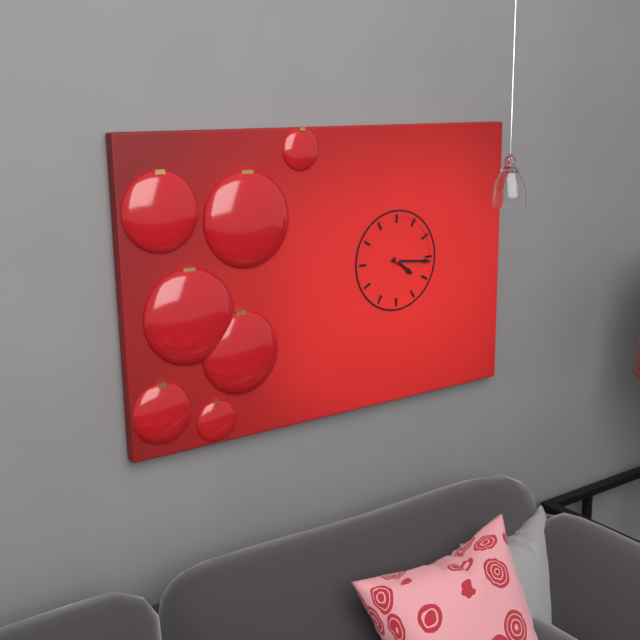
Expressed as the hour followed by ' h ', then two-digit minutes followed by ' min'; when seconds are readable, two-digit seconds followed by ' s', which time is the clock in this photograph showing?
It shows 4 h 16 min
